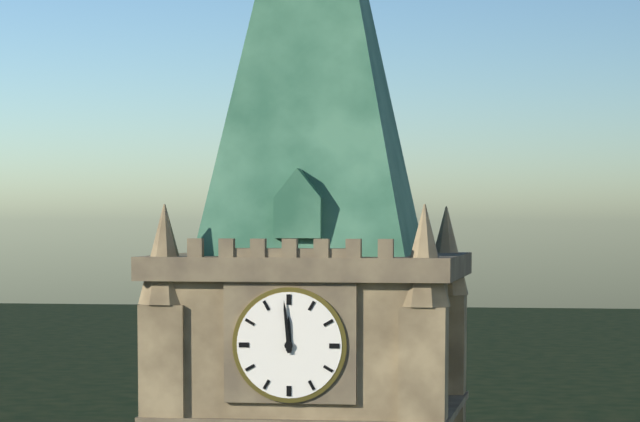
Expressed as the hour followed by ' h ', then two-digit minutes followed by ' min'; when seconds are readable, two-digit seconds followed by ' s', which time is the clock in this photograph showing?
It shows 11 h 59 min
